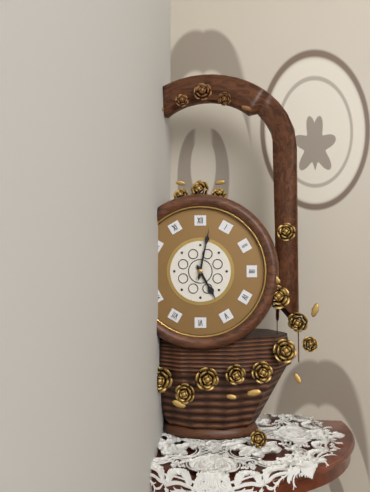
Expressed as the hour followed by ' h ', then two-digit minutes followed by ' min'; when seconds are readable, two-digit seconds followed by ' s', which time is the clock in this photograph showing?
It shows 5 h 02 min
